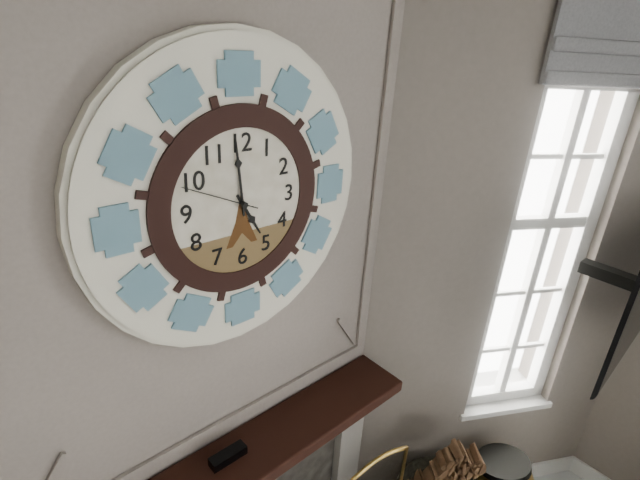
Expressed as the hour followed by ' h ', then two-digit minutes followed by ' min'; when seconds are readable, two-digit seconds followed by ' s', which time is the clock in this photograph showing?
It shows 4 h 59 min 49 s
